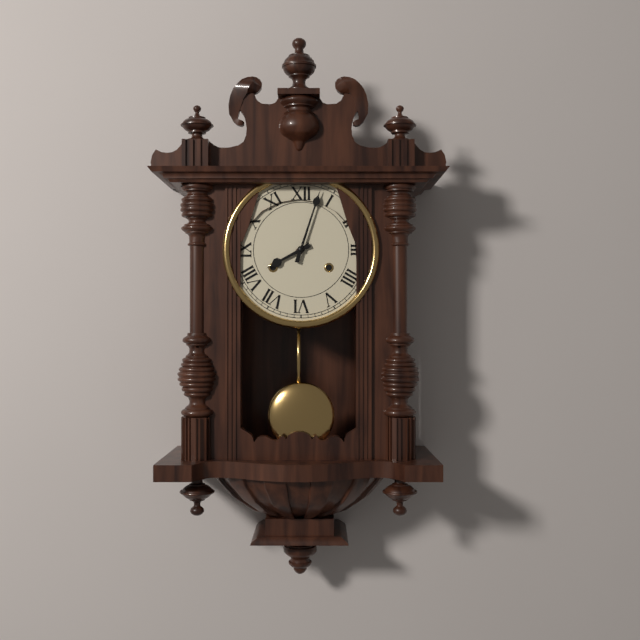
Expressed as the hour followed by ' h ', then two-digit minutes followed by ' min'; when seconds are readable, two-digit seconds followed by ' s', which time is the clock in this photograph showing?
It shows 8 h 03 min
